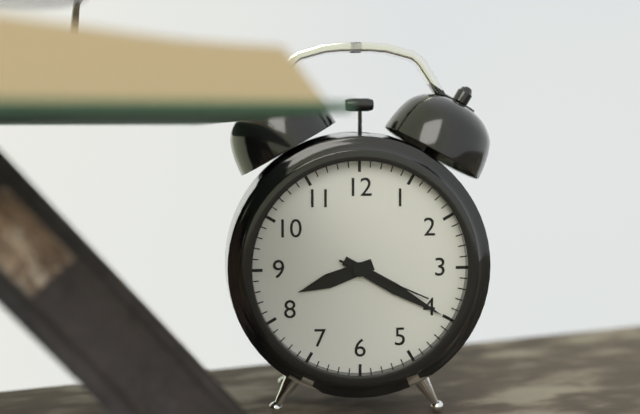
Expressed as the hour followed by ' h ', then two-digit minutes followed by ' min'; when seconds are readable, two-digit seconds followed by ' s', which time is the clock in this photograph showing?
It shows 8 h 20 min 19 s
